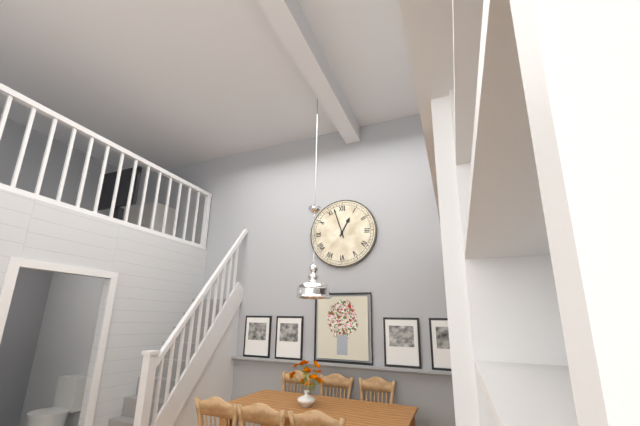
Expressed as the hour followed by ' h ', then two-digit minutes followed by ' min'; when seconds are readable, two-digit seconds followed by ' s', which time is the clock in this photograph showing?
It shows 12 h 57 min
